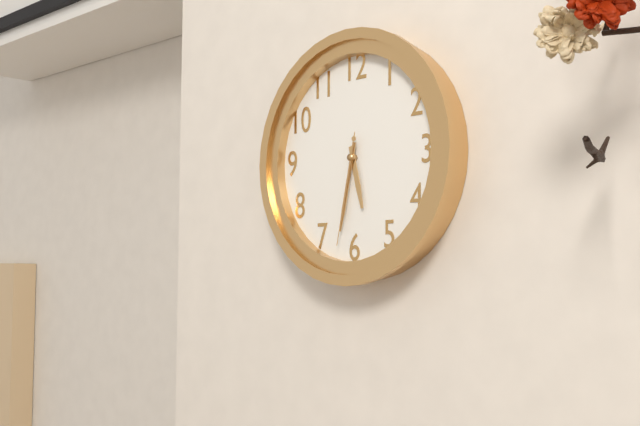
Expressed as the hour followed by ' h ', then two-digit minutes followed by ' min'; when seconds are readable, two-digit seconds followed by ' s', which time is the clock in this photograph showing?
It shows 5 h 32 min 32 s
